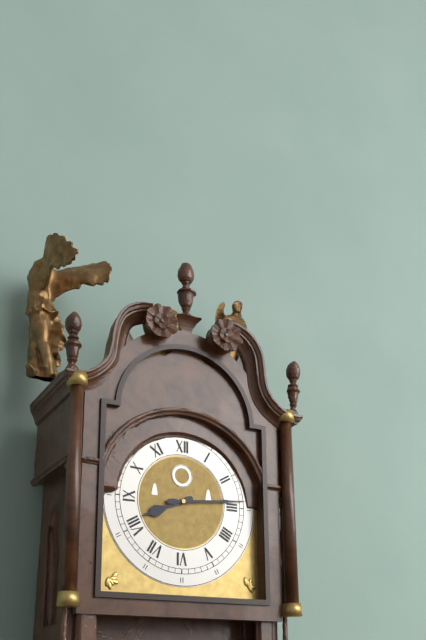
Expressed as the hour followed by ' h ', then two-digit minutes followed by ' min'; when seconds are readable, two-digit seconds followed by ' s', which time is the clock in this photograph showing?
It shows 8 h 14 min
